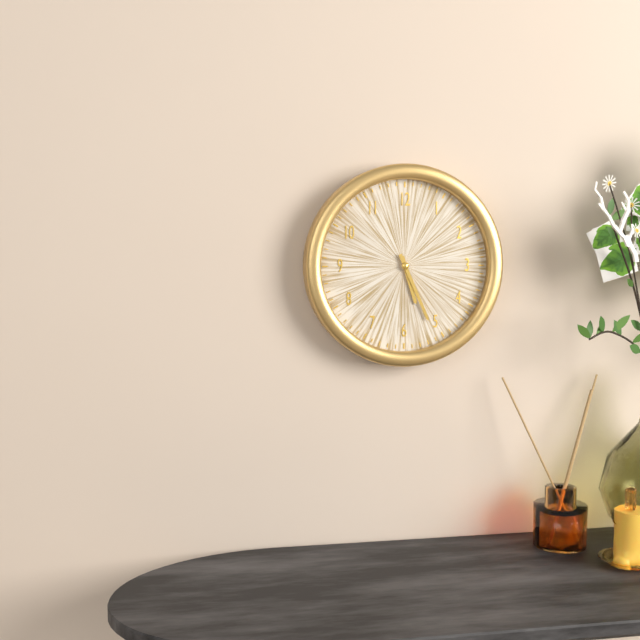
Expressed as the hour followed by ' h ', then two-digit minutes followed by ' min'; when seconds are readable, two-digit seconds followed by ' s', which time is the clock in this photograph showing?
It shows 5 h 26 min
